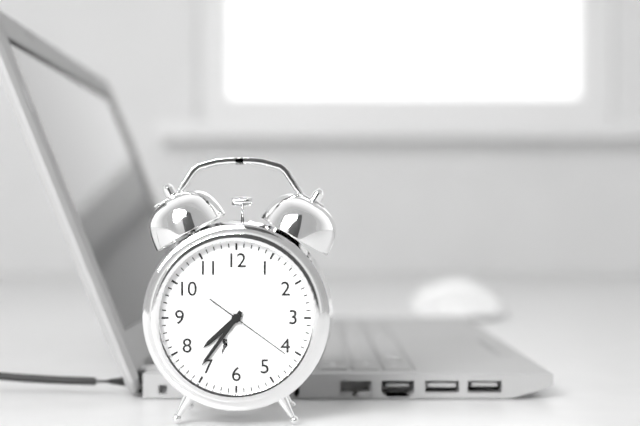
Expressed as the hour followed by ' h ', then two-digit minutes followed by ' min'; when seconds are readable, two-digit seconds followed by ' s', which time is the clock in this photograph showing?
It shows 7 h 36 min 21 s
